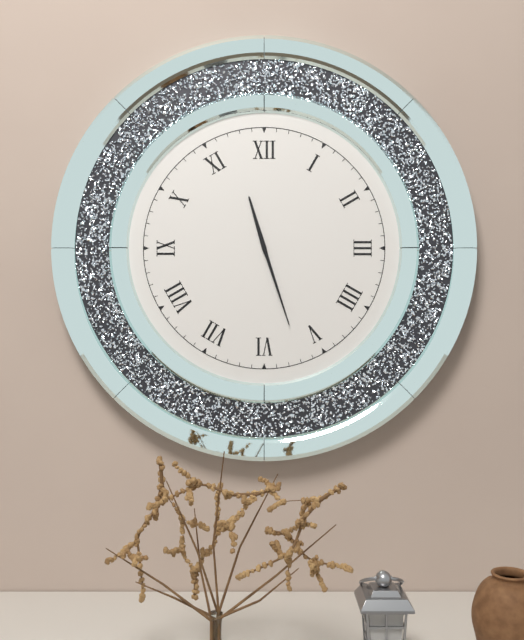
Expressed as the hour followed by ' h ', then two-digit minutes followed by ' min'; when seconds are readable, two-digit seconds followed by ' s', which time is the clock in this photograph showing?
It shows 11 h 27 min
